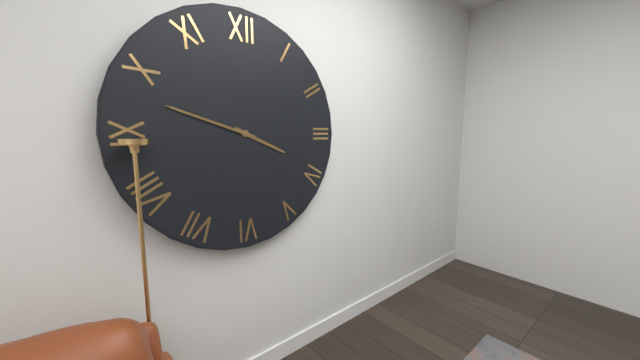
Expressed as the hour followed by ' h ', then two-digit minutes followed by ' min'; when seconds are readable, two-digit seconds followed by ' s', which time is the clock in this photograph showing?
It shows 3 h 48 min
